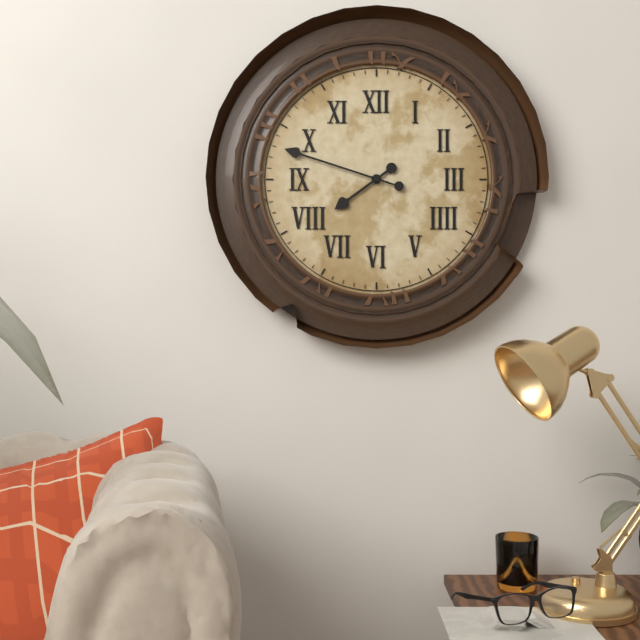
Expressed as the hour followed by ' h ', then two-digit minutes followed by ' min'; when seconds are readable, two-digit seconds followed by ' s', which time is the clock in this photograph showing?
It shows 7 h 48 min
